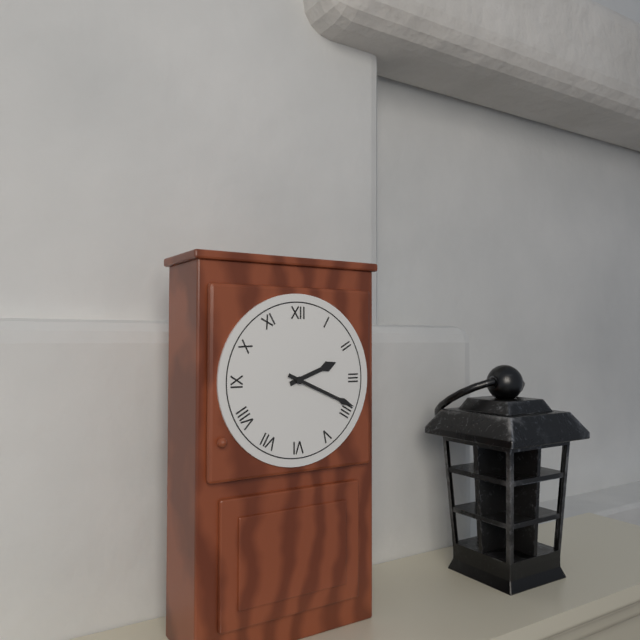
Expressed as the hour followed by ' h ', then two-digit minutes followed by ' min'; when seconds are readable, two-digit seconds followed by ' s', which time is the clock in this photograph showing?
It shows 2 h 19 min
